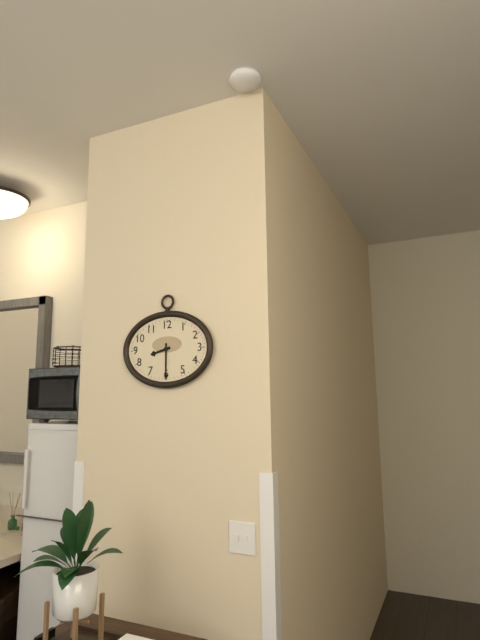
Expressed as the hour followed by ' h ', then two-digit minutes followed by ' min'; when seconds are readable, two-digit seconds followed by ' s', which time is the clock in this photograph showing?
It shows 8 h 30 min
